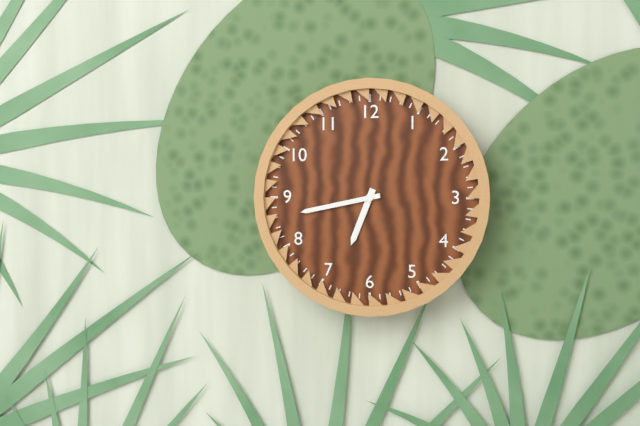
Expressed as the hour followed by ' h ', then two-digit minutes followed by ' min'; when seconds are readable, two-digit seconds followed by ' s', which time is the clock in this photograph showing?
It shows 6 h 43 min
